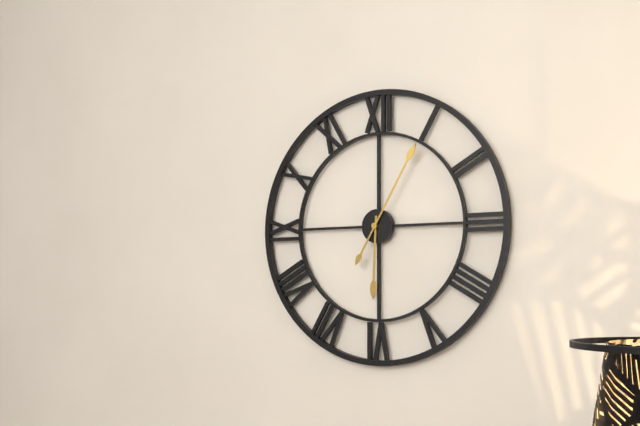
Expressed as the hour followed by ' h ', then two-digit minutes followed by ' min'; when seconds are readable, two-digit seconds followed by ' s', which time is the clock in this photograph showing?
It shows 6 h 05 min
